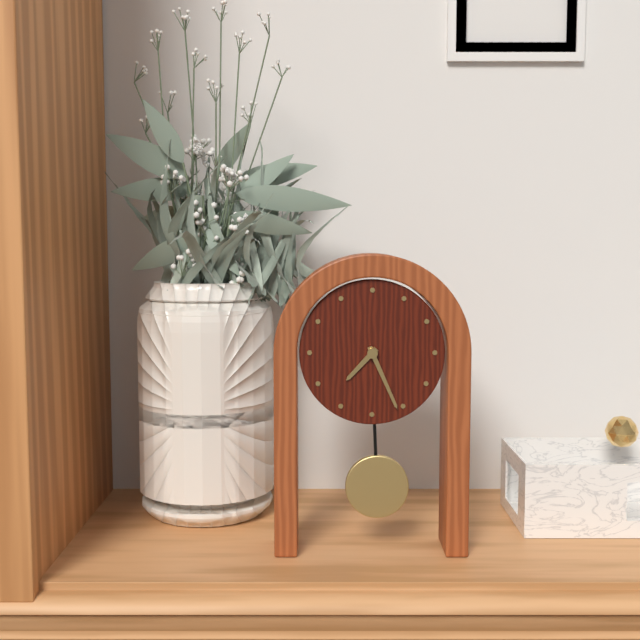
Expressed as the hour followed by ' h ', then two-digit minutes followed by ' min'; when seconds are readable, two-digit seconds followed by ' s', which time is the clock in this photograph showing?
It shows 7 h 26 min
